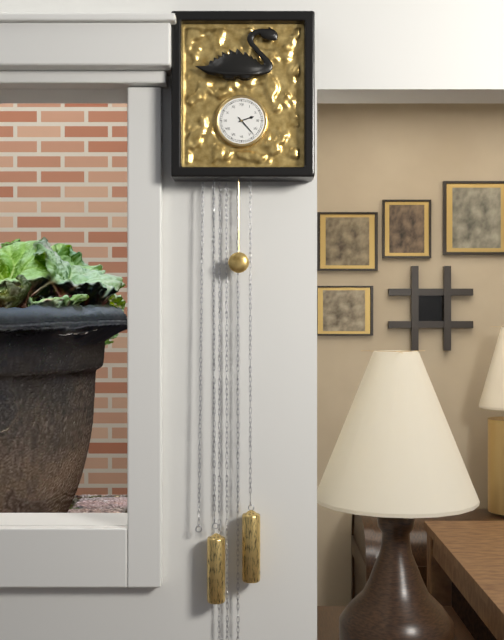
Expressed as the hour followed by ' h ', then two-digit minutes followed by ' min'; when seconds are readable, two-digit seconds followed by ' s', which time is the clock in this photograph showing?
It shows 2 h 23 min
